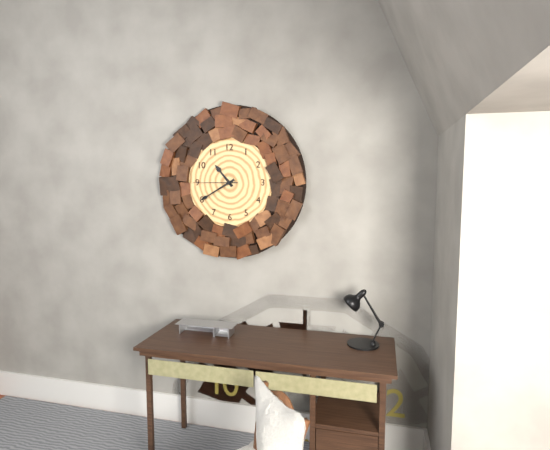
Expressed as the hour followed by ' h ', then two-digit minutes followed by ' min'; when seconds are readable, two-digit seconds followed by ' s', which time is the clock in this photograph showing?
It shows 10 h 40 min
